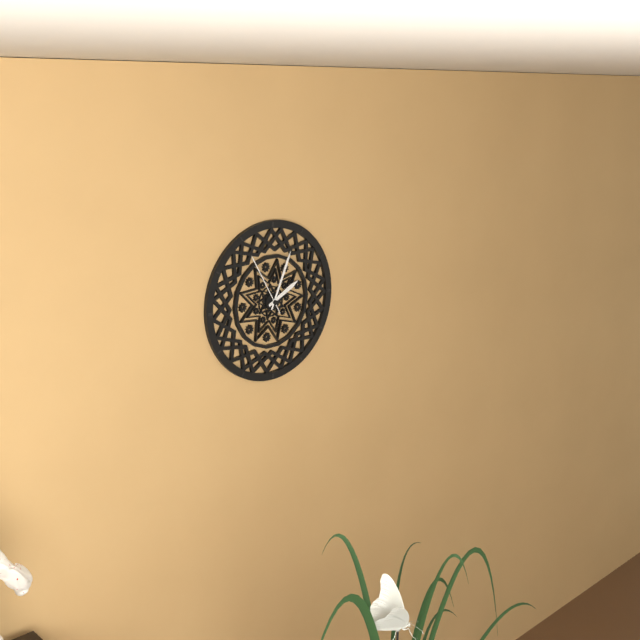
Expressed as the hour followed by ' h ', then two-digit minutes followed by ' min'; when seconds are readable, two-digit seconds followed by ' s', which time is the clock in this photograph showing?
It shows 2 h 04 min 55 s
